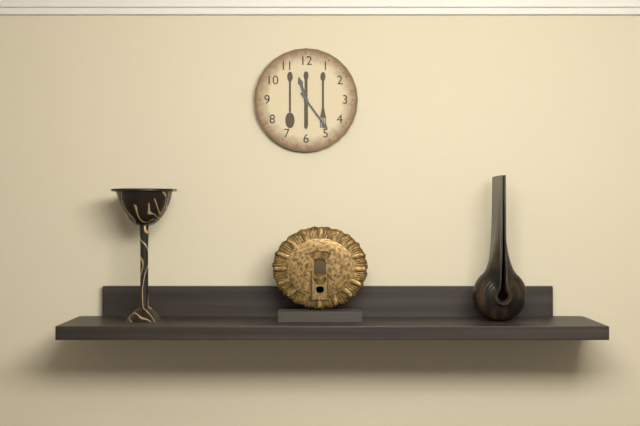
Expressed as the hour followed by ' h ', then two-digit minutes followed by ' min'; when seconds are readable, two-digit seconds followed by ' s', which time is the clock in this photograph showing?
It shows 11 h 24 min
